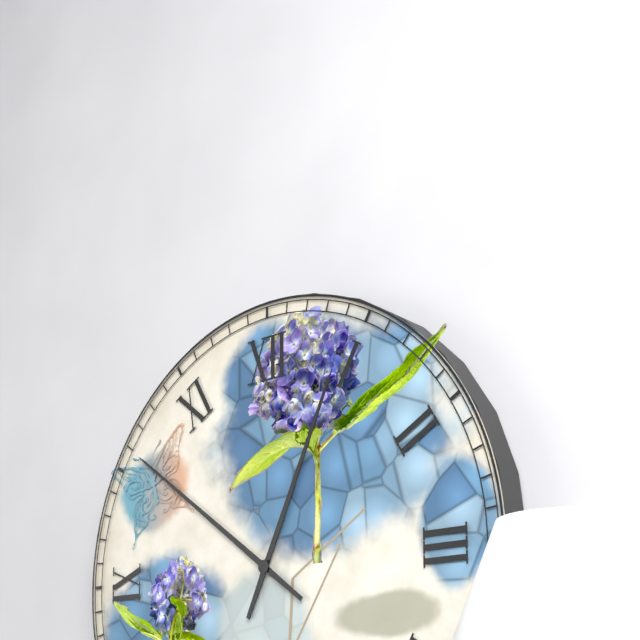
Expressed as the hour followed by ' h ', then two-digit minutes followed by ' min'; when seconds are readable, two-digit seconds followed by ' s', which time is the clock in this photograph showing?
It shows 12 h 51 min
